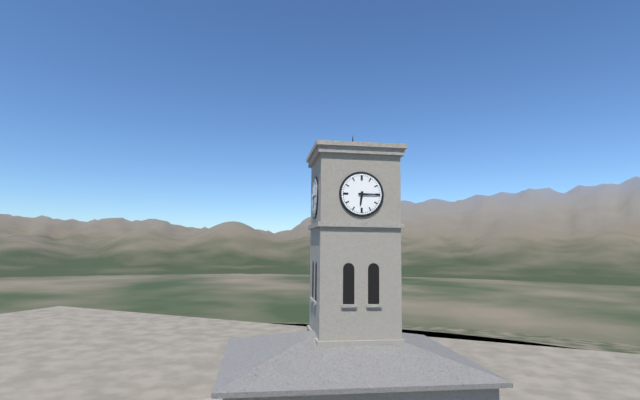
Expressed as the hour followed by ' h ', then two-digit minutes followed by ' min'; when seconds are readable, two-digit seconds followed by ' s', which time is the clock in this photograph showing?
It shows 6 h 15 min
